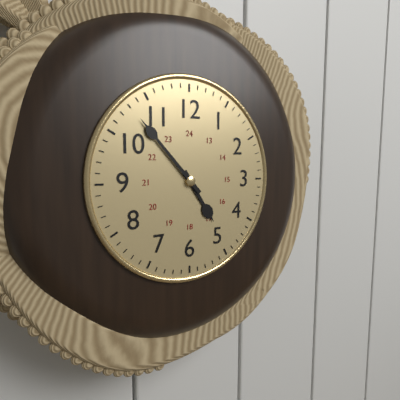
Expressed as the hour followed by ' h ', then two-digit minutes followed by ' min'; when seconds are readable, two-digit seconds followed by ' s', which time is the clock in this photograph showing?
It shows 4 h 53 min
